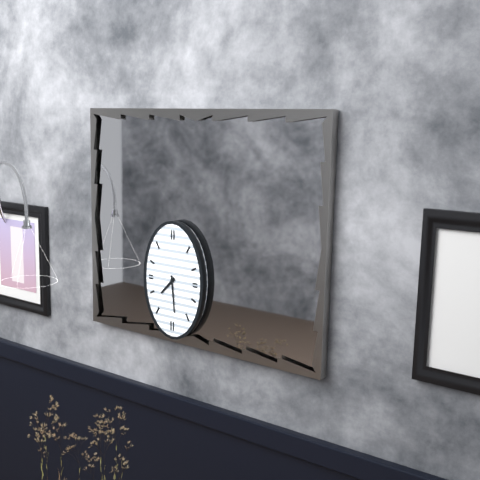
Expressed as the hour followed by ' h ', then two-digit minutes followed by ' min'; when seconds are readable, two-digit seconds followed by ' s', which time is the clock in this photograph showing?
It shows 7 h 29 min
